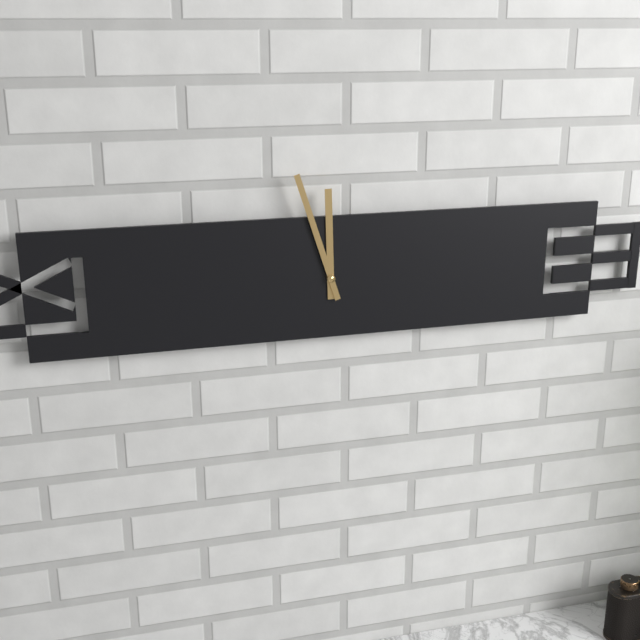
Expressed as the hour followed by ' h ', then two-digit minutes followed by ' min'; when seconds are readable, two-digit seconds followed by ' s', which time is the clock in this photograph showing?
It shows 11 h 57 min
